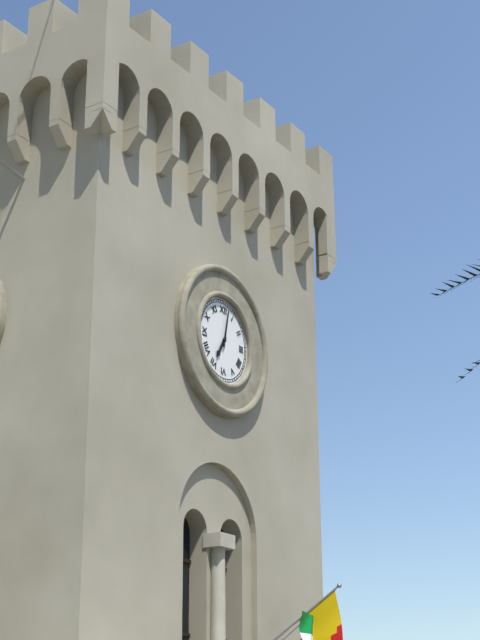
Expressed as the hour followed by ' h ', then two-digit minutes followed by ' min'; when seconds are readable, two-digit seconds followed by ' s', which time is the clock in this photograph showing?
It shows 7 h 02 min
